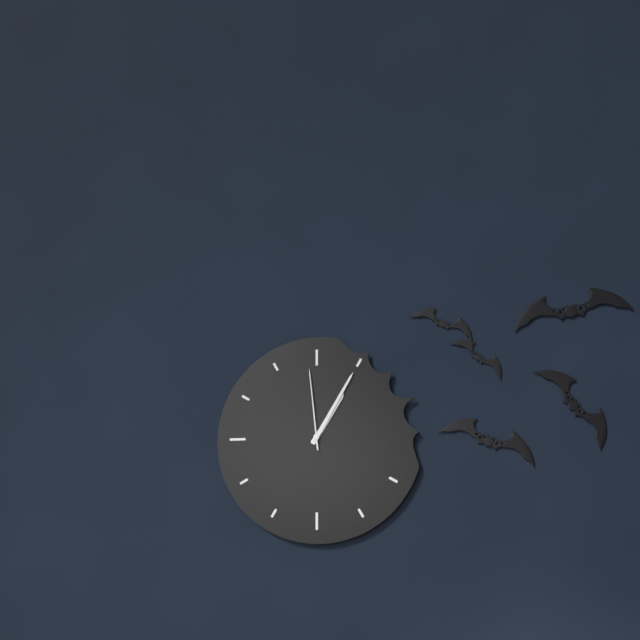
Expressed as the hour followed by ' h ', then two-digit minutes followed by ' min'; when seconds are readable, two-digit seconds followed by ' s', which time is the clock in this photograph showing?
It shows 1 h 05 min 59 s
